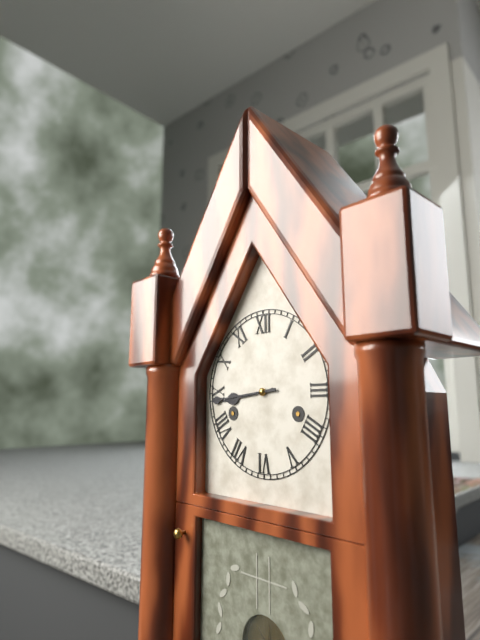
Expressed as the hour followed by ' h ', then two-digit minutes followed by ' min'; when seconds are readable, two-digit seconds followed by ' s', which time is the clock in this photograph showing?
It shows 8 h 44 min
